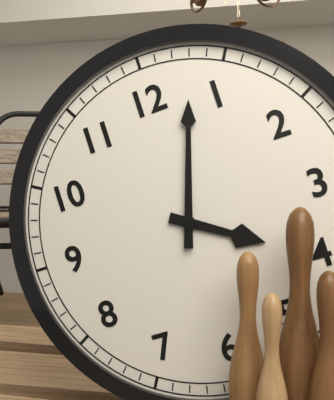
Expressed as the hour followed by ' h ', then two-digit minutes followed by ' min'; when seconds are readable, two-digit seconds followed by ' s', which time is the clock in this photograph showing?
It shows 4 h 03 min
